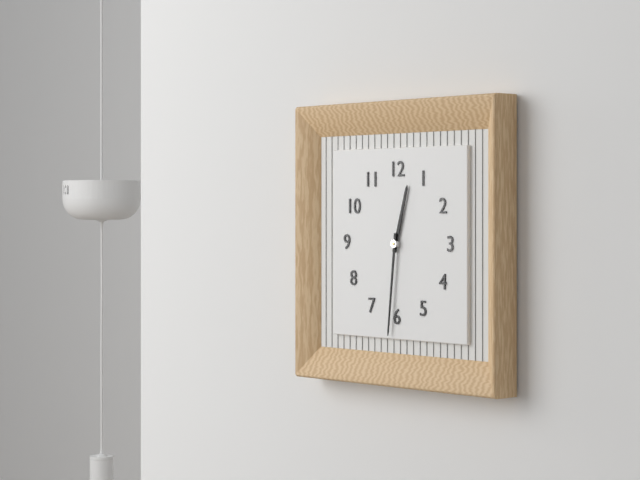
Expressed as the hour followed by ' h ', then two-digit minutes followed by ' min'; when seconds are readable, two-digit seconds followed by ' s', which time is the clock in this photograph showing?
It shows 12 h 31 min
